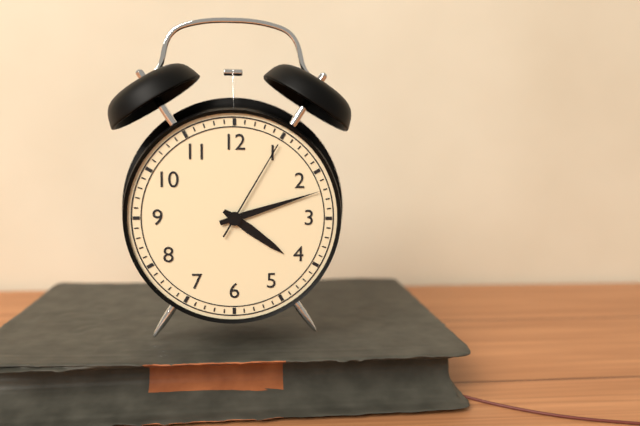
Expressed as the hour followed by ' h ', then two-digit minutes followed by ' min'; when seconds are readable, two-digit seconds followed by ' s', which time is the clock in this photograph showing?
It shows 4 h 12 min 05 s
